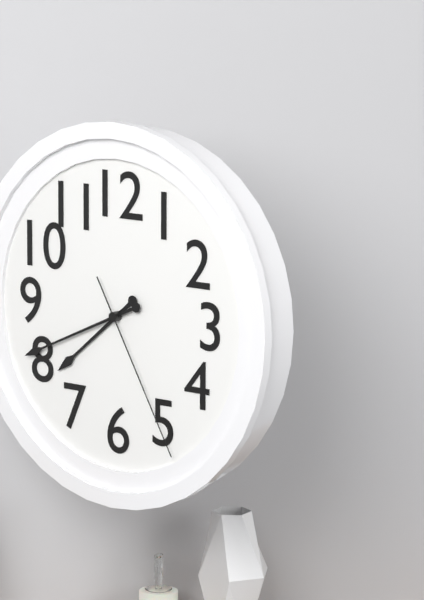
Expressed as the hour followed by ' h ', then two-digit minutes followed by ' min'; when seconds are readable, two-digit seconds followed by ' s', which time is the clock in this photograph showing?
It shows 7 h 41 min 25 s
